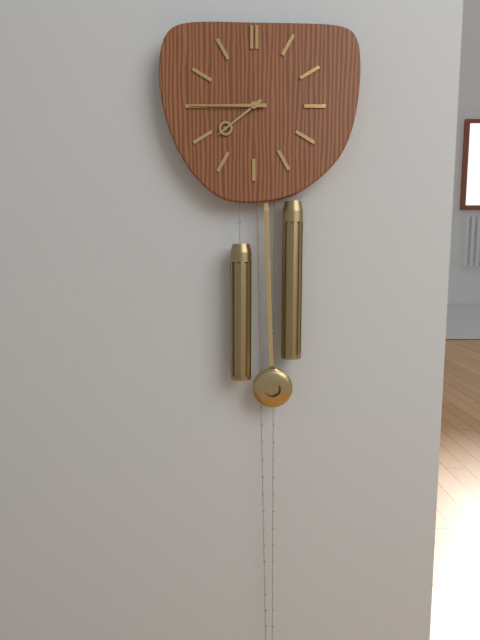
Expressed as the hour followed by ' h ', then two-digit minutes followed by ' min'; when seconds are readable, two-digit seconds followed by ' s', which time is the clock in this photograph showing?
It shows 7 h 45 min
